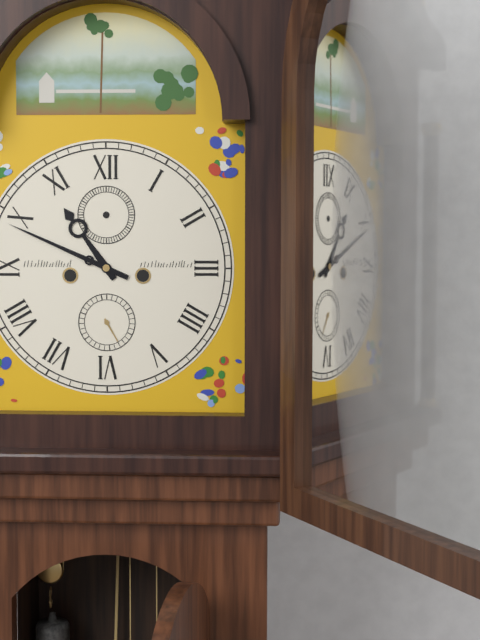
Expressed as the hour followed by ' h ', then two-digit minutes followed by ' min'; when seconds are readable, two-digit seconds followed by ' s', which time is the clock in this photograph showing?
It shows 10 h 49 min
